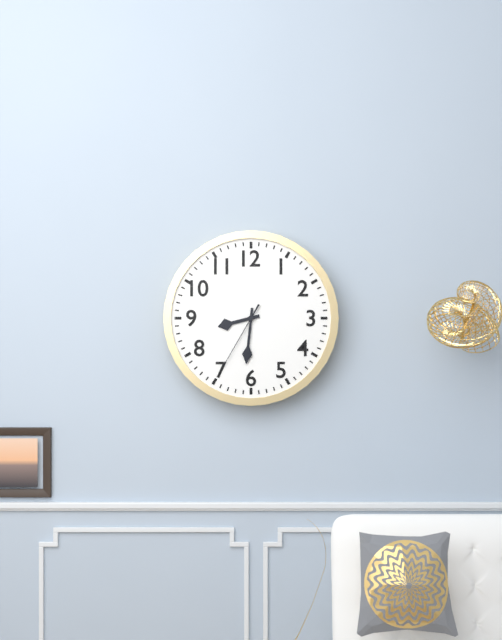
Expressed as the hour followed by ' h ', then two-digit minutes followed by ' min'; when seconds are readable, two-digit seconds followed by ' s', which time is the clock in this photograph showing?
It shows 8 h 31 min 35 s
